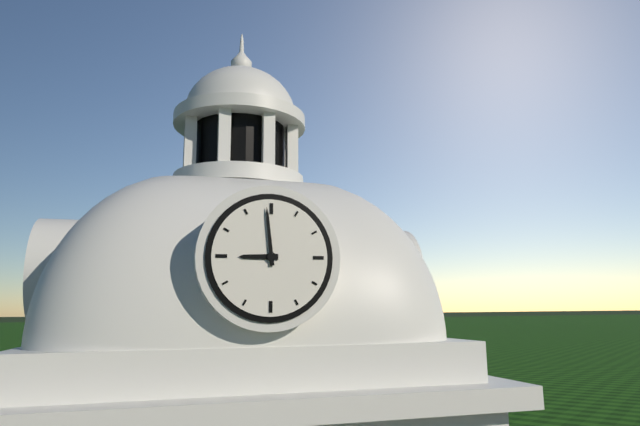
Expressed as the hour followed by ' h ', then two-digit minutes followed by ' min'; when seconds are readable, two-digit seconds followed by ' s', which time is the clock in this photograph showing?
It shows 8 h 59 min
